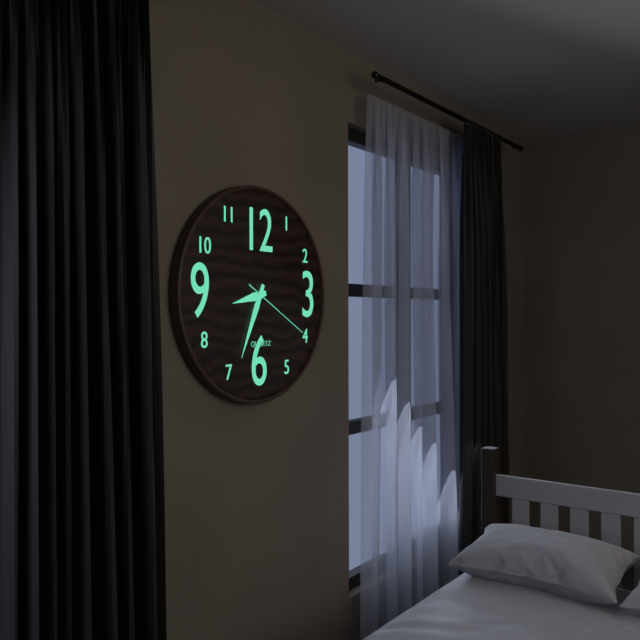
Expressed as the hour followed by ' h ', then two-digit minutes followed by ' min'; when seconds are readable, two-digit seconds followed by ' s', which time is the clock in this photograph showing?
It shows 8 h 34 min 20 s
